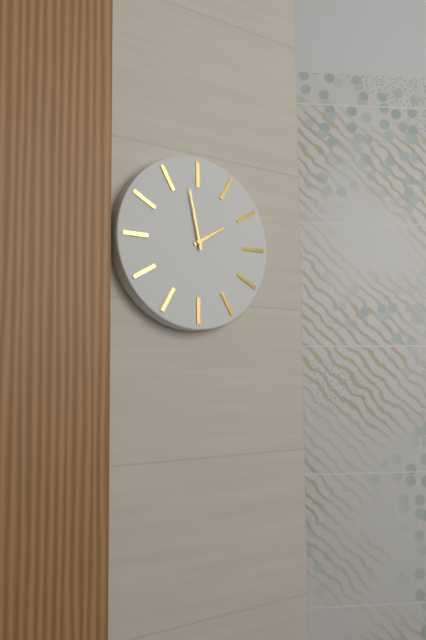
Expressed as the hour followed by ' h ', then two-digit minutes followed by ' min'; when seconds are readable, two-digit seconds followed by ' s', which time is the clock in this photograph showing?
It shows 1 h 58 min
